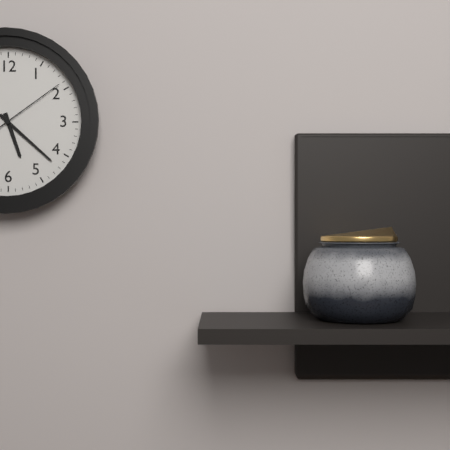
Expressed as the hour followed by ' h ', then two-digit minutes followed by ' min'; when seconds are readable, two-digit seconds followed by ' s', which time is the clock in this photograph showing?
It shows 5 h 22 min 09 s
